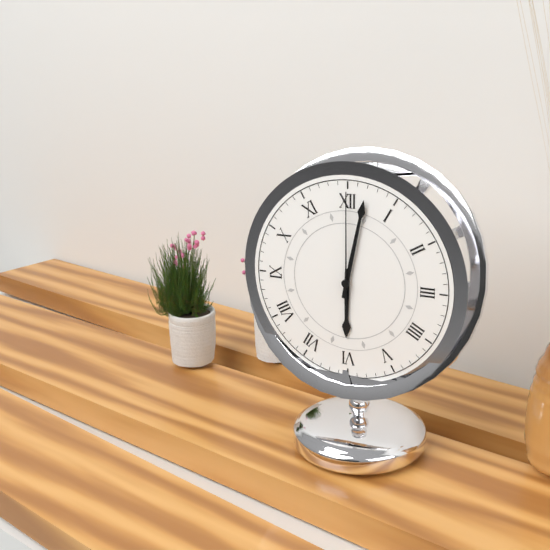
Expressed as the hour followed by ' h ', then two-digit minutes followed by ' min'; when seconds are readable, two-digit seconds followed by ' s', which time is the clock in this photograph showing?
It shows 6 h 02 min 00 s
